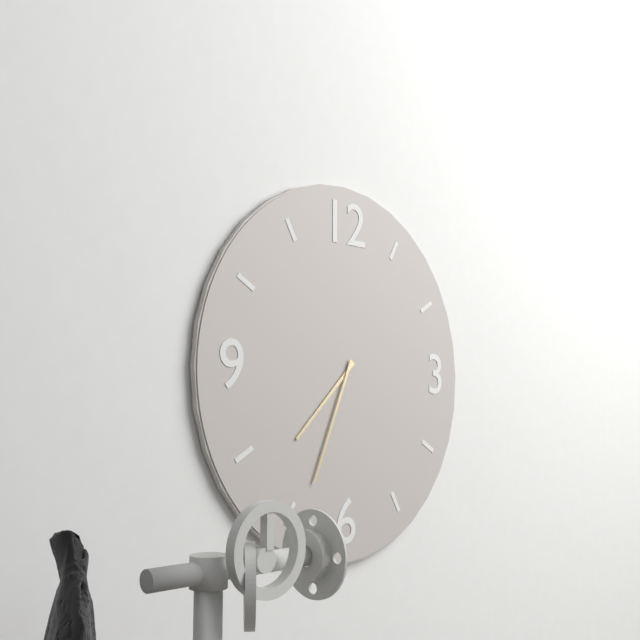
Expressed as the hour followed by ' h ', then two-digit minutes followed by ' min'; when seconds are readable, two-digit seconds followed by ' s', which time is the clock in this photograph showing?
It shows 7 h 34 min
